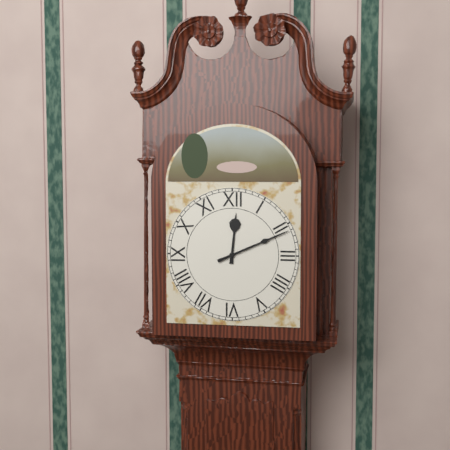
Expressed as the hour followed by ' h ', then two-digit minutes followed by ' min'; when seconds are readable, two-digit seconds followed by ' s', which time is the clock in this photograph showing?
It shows 12 h 11 min
